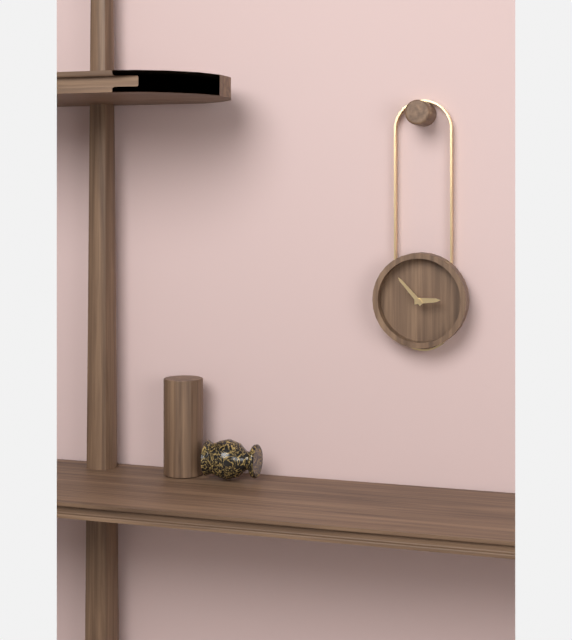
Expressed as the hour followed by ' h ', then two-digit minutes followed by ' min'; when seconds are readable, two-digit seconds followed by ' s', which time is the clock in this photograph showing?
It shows 2 h 53 min
